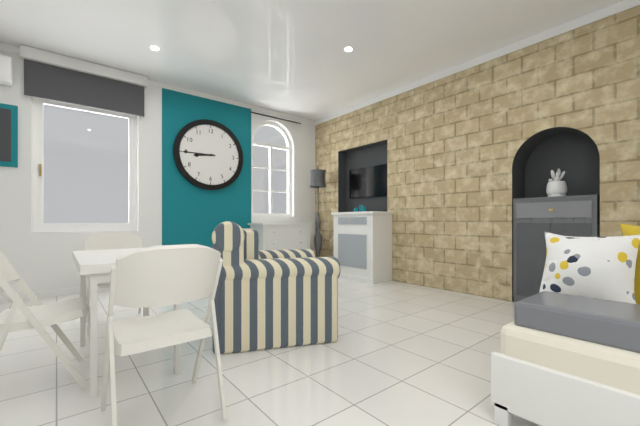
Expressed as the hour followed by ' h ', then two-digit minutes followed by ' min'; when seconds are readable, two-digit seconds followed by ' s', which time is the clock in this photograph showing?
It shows 8 h 45 min
